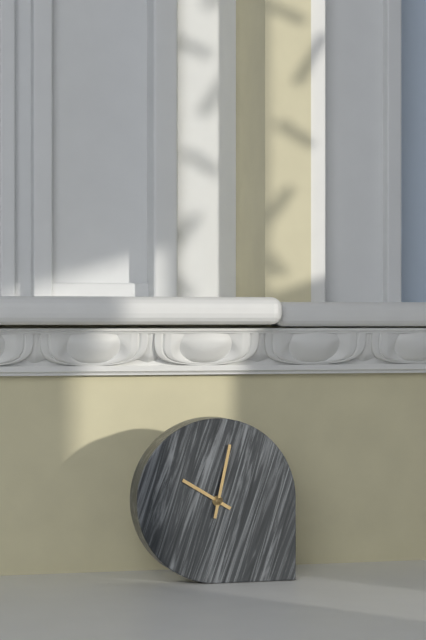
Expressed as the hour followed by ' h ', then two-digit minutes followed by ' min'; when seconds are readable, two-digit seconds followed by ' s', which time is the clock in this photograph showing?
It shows 10 h 02 min
